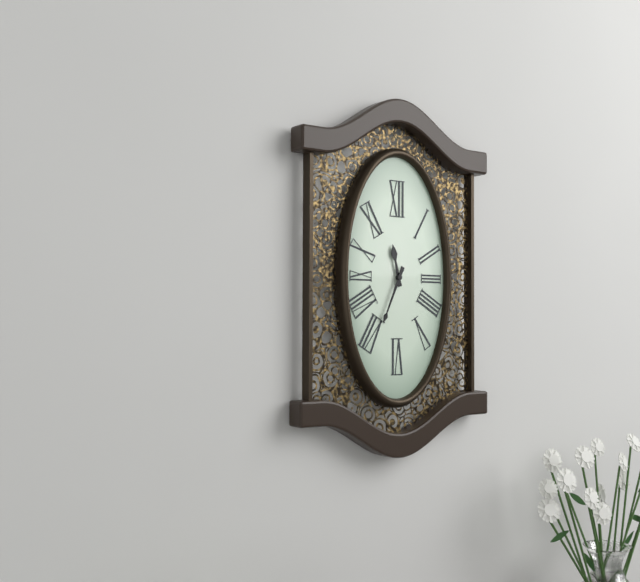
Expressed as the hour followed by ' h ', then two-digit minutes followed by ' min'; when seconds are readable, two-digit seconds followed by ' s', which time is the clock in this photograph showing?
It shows 11 h 34 min
